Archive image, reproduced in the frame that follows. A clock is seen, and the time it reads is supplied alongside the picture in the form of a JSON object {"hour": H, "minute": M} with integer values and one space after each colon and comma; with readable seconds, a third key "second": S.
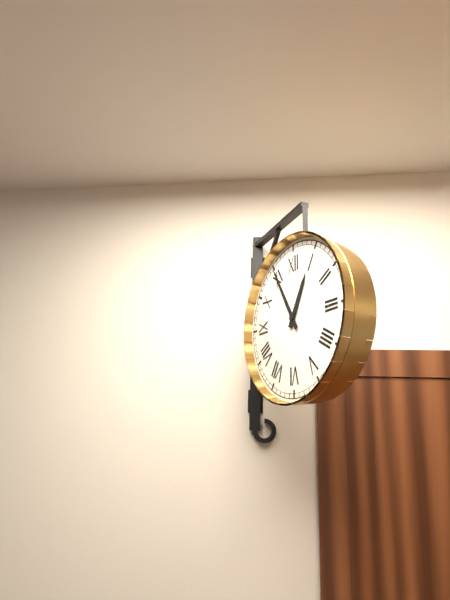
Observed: {"hour": 12, "minute": 55}
